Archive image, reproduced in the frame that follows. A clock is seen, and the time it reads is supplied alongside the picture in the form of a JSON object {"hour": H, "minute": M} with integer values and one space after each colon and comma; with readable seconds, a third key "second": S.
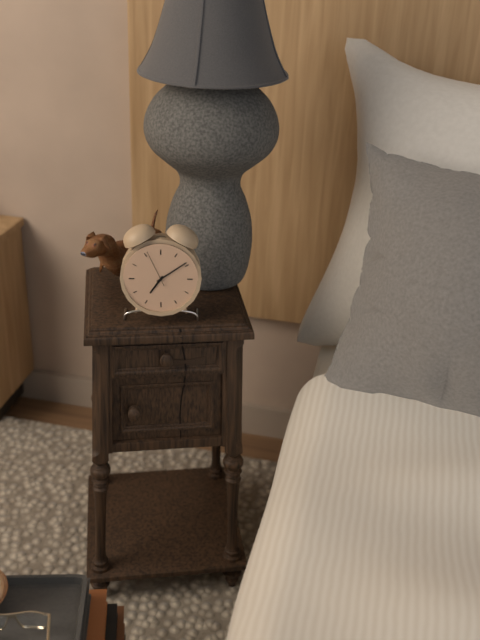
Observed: {"hour": 7, "minute": 9}
